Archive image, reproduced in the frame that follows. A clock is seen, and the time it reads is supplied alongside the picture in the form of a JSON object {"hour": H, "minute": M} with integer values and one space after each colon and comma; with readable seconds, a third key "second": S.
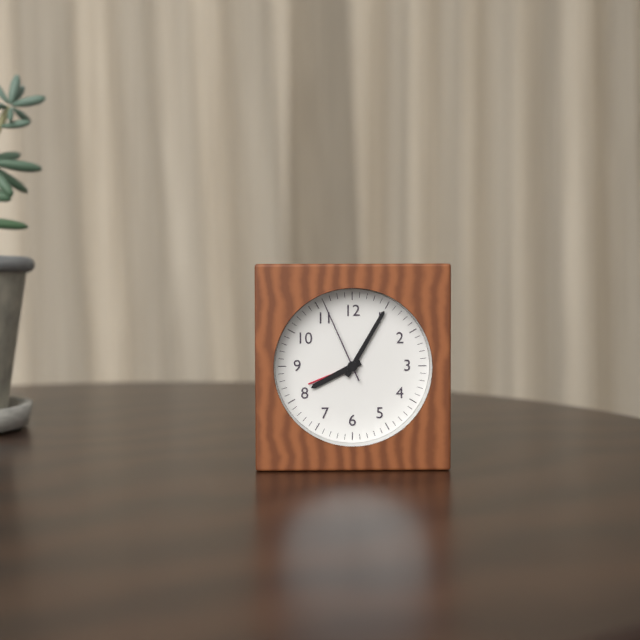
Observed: {"hour": 8, "minute": 5, "second": 56}
